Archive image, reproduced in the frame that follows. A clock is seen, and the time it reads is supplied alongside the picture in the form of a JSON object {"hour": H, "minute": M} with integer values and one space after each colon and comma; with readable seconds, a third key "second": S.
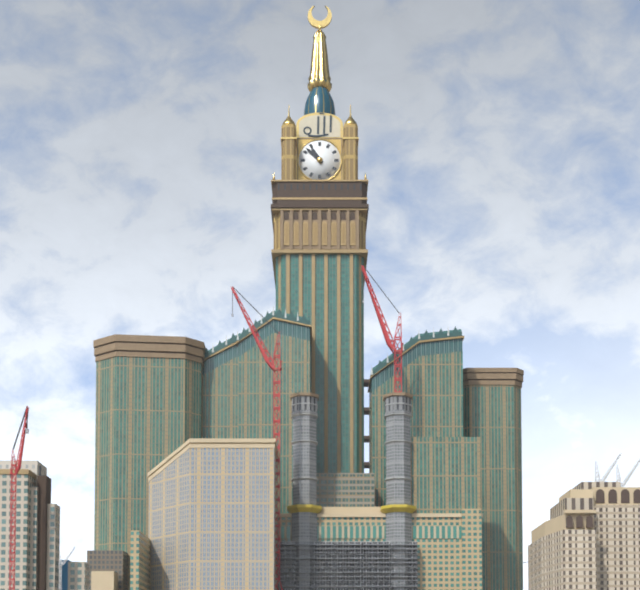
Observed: {"hour": 10, "minute": 52}
